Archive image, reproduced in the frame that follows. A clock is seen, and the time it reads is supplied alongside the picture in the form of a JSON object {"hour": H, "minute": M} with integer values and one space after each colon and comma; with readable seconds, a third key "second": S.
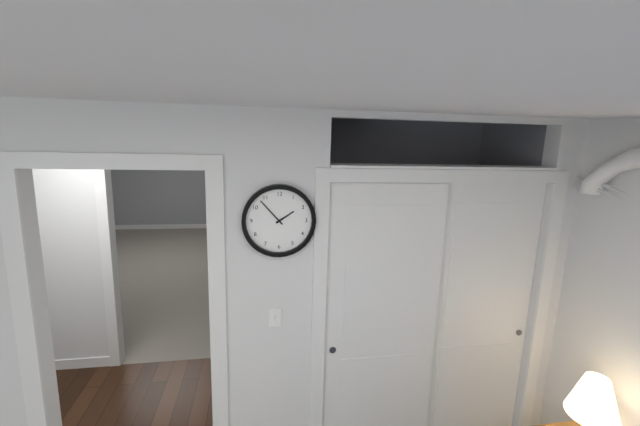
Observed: {"hour": 1, "minute": 53}
